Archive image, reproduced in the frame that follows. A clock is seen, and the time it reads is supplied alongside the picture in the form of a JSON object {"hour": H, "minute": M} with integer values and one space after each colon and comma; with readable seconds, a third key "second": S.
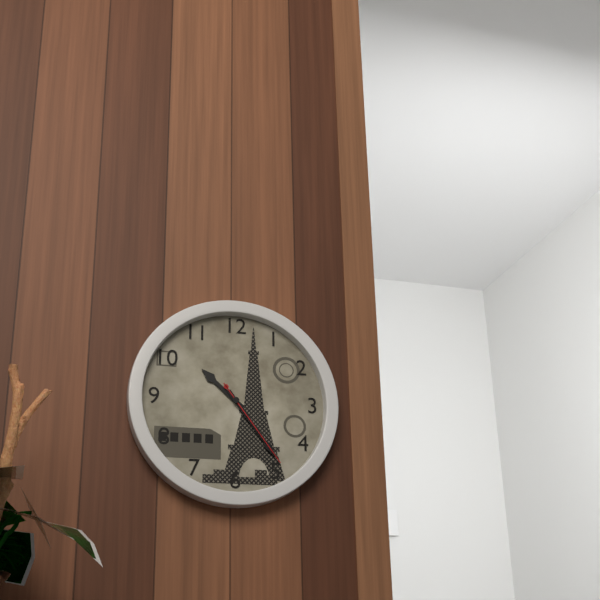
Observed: {"hour": 10, "minute": 24, "second": 24}
